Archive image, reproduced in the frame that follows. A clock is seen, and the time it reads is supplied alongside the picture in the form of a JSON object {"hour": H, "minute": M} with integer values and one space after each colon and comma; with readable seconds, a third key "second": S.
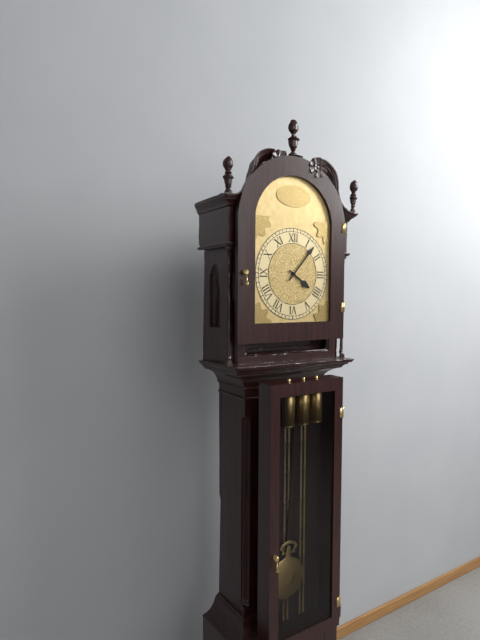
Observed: {"hour": 4, "minute": 7}
